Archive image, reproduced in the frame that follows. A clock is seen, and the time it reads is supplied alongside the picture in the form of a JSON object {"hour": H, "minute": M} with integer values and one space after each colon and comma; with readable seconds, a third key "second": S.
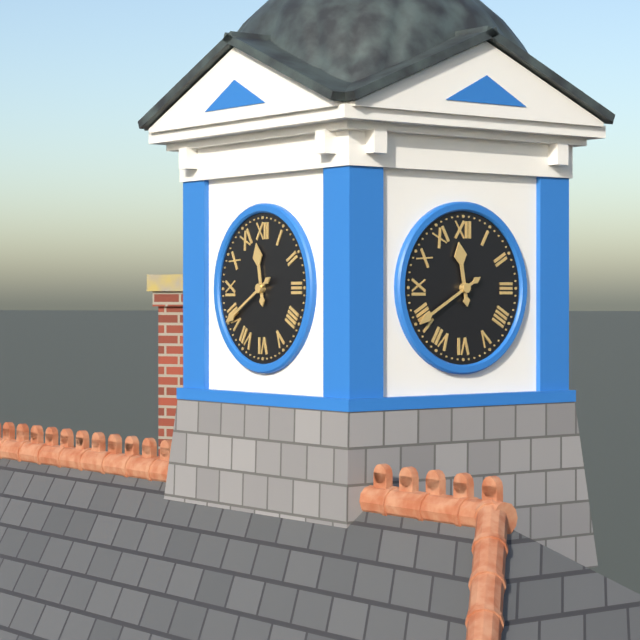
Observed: {"hour": 11, "minute": 40}
